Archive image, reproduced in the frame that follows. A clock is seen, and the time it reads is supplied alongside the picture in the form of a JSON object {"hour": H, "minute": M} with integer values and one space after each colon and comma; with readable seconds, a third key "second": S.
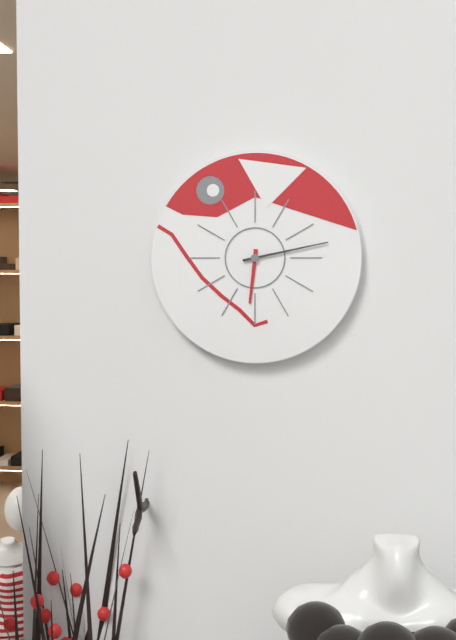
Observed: {"hour": 6, "minute": 13}
